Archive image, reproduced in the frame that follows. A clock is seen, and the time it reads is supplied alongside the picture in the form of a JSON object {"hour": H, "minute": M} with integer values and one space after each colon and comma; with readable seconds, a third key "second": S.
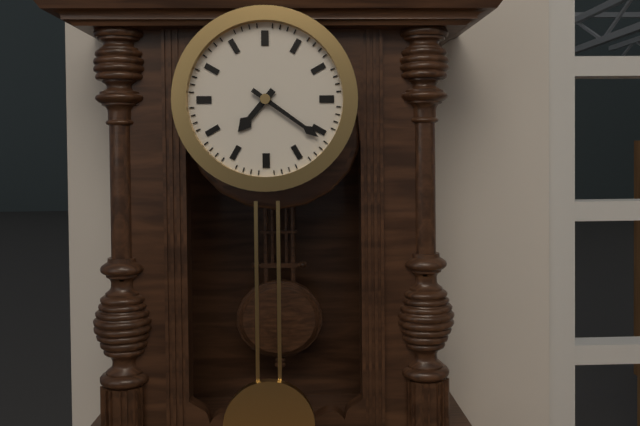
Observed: {"hour": 7, "minute": 21}
